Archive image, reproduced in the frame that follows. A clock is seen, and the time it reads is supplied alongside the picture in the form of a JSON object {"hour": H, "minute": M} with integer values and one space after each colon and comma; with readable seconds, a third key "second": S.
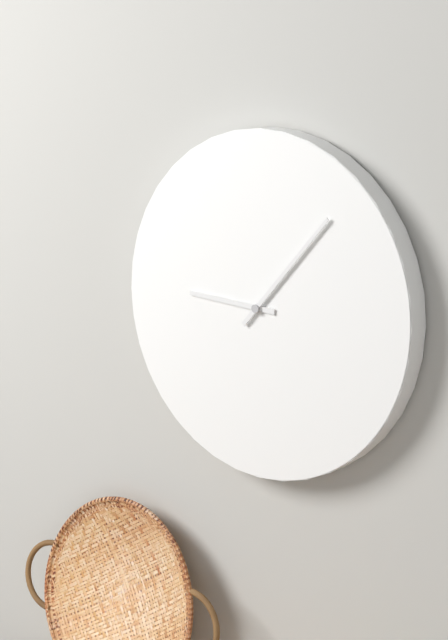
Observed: {"hour": 9, "minute": 7}
